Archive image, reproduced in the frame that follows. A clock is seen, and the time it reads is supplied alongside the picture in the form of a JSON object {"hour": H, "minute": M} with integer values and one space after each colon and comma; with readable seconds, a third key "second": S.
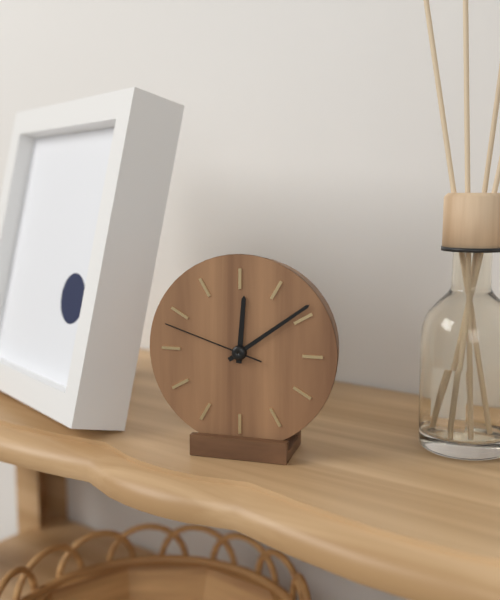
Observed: {"hour": 12, "minute": 9, "second": 48}
